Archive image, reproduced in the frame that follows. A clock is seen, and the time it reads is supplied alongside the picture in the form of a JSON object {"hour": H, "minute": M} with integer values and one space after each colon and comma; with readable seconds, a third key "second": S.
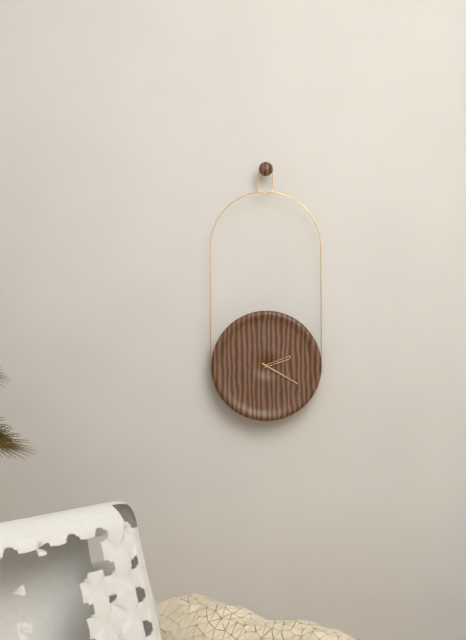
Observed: {"hour": 2, "minute": 20}
